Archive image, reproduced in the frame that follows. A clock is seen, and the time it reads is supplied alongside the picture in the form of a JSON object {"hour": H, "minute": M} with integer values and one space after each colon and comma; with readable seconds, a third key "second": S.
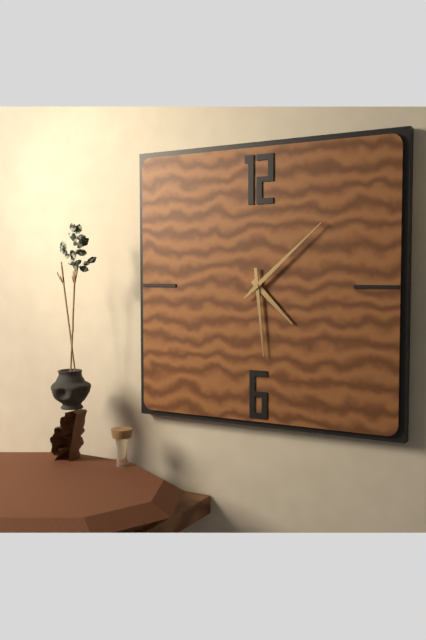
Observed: {"hour": 4, "minute": 29, "second": 8}
